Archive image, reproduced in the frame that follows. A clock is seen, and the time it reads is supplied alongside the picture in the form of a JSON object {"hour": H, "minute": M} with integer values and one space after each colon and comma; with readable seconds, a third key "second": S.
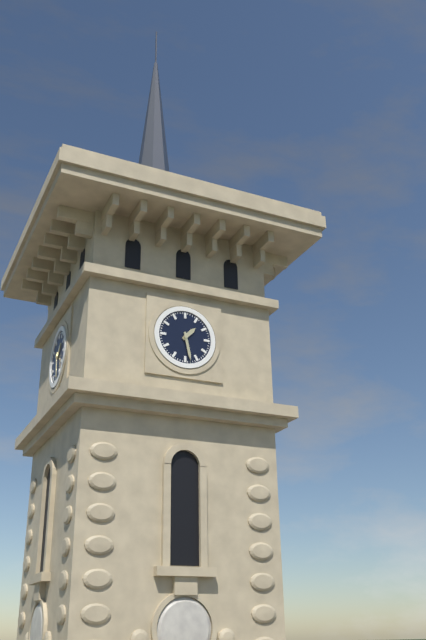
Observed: {"hour": 1, "minute": 28}
